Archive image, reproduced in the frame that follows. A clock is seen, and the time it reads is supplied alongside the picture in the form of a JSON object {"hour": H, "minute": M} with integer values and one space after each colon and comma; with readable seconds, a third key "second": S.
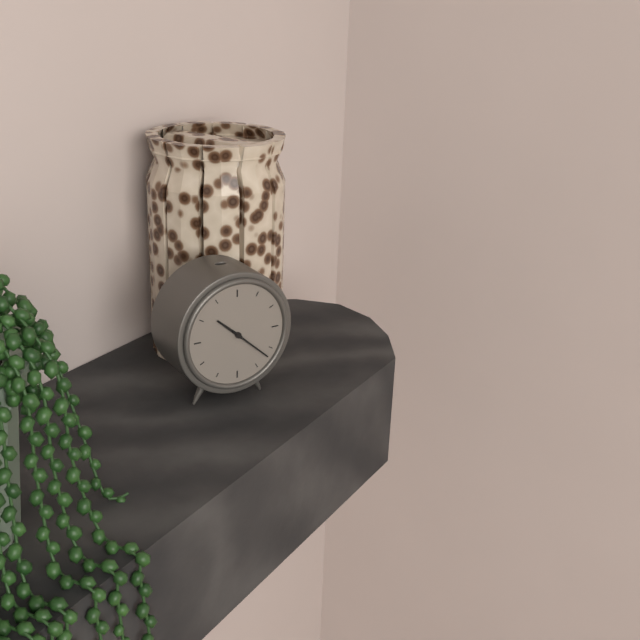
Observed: {"hour": 10, "minute": 22}
